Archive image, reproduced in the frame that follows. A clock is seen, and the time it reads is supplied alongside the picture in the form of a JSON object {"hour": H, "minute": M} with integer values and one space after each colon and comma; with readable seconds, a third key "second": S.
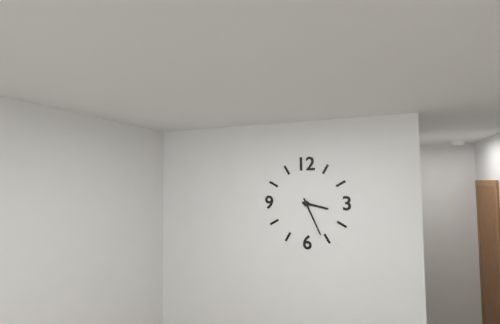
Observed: {"hour": 3, "minute": 26}
